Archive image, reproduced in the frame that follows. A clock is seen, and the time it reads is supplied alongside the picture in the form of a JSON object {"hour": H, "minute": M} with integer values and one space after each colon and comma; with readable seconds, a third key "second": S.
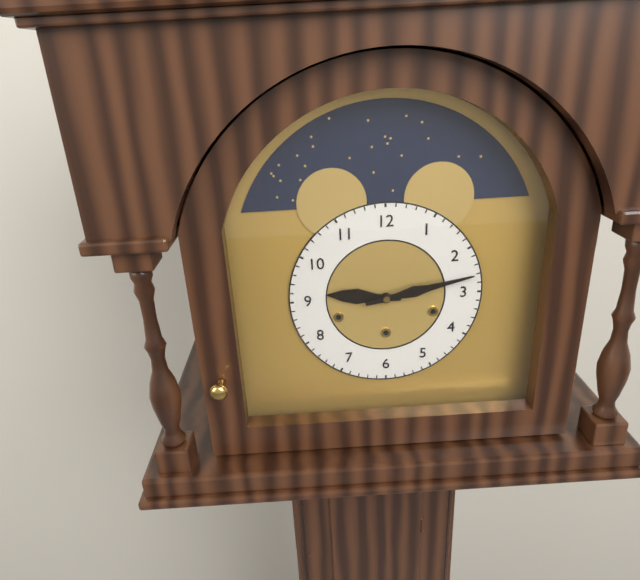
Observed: {"hour": 9, "minute": 13}
